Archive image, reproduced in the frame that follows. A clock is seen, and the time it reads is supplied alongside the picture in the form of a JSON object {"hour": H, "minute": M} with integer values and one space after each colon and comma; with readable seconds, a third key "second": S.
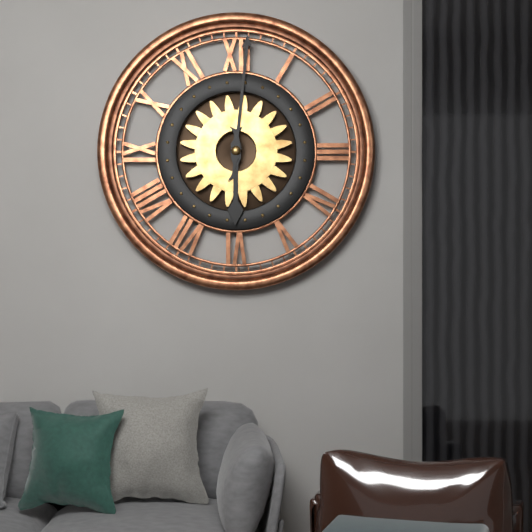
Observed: {"hour": 6, "minute": 1}
